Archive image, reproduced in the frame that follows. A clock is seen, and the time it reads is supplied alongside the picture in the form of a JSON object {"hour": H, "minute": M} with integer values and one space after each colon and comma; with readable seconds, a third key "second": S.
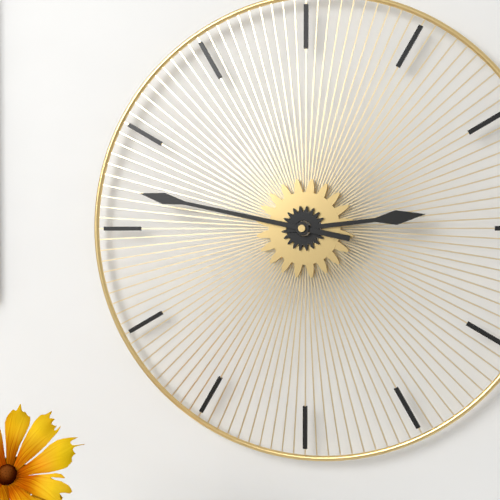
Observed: {"hour": 2, "minute": 47}
